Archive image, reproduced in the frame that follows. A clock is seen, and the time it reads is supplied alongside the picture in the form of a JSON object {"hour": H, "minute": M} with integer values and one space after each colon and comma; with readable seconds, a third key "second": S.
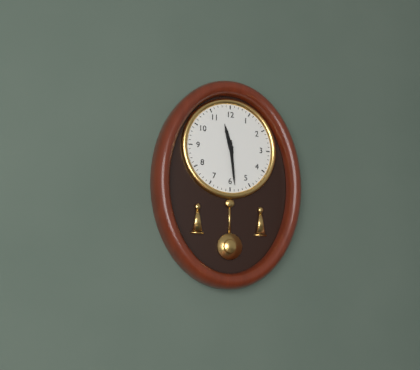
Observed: {"hour": 11, "minute": 29}
